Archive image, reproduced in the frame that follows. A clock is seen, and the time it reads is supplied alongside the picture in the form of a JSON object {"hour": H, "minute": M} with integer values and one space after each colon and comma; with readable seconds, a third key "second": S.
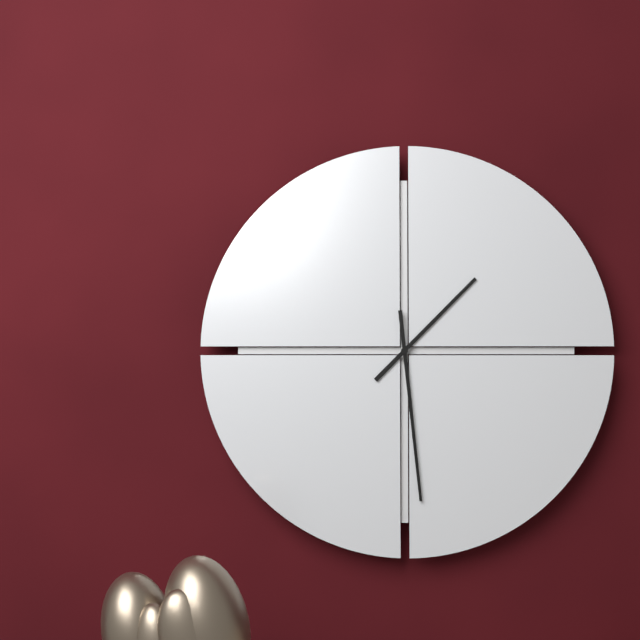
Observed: {"hour": 1, "minute": 29}
